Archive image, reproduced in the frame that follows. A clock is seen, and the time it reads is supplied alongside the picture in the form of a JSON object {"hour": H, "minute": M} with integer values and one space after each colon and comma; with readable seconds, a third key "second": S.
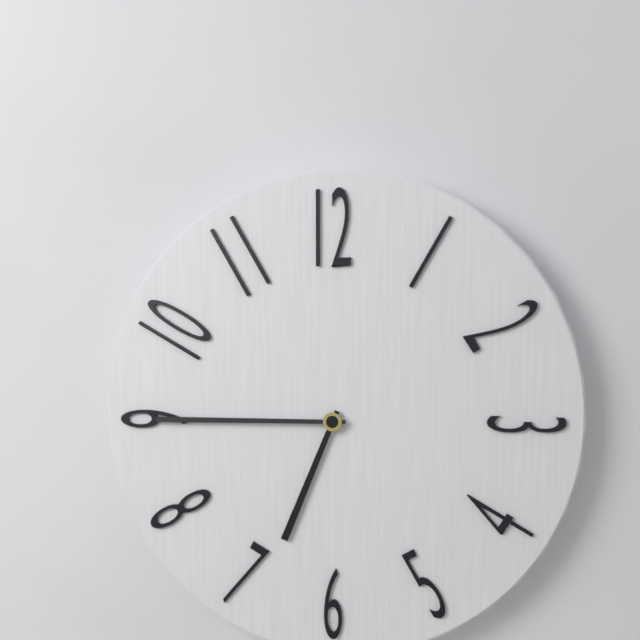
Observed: {"hour": 6, "minute": 45}
